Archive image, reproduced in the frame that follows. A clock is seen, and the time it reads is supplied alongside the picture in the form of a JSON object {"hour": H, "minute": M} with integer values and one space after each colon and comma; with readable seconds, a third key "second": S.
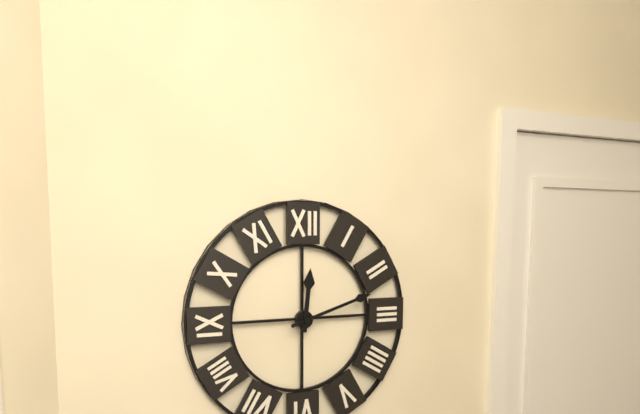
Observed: {"hour": 12, "minute": 12}
